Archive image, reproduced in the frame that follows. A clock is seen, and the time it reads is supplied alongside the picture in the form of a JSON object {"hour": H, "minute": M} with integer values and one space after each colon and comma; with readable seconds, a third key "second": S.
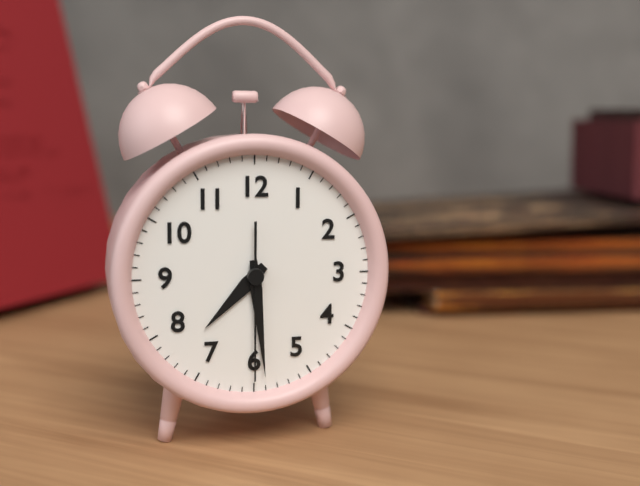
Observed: {"hour": 7, "minute": 29, "second": 30}
